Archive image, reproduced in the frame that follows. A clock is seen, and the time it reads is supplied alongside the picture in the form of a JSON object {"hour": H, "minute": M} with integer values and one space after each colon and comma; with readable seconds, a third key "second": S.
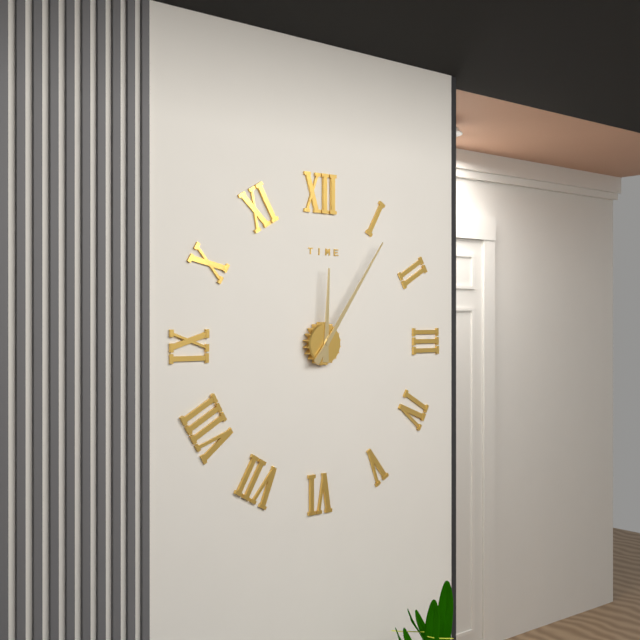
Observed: {"hour": 12, "minute": 6}
